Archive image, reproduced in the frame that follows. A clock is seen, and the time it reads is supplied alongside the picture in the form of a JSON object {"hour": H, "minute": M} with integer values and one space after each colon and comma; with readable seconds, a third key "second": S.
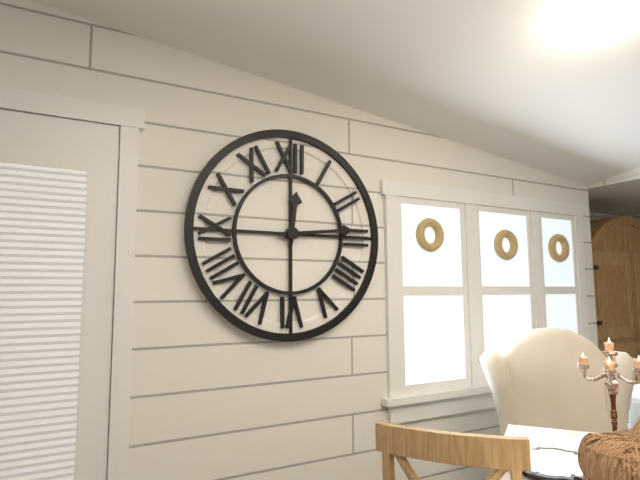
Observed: {"hour": 12, "minute": 14}
